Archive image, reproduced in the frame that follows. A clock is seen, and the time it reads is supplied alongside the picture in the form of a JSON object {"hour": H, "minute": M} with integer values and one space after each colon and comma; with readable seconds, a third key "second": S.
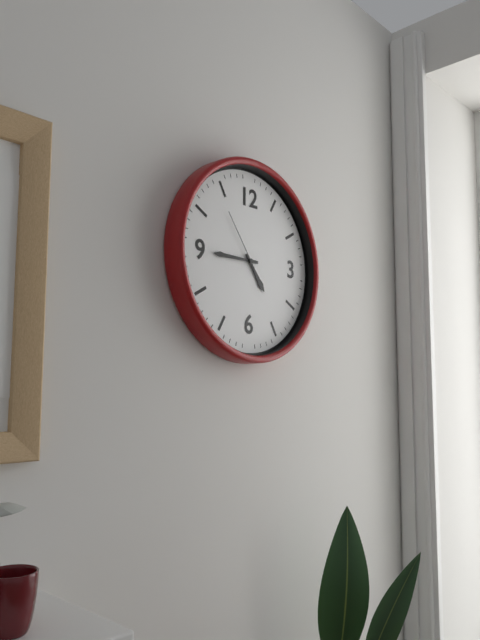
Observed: {"hour": 4, "minute": 45, "second": 54}
